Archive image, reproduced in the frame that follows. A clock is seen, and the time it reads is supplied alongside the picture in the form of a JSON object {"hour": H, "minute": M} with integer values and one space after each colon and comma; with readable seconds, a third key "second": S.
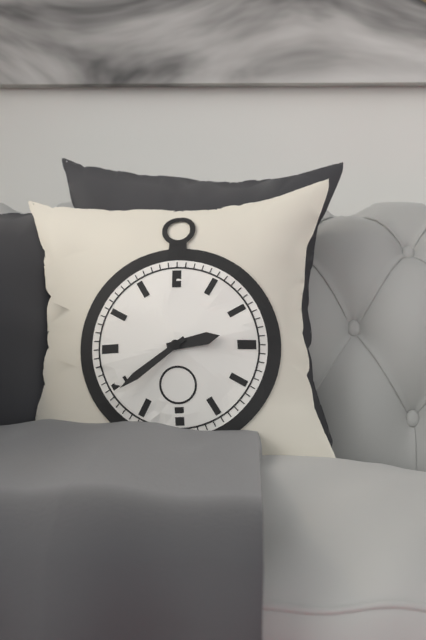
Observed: {"hour": 2, "minute": 39}
